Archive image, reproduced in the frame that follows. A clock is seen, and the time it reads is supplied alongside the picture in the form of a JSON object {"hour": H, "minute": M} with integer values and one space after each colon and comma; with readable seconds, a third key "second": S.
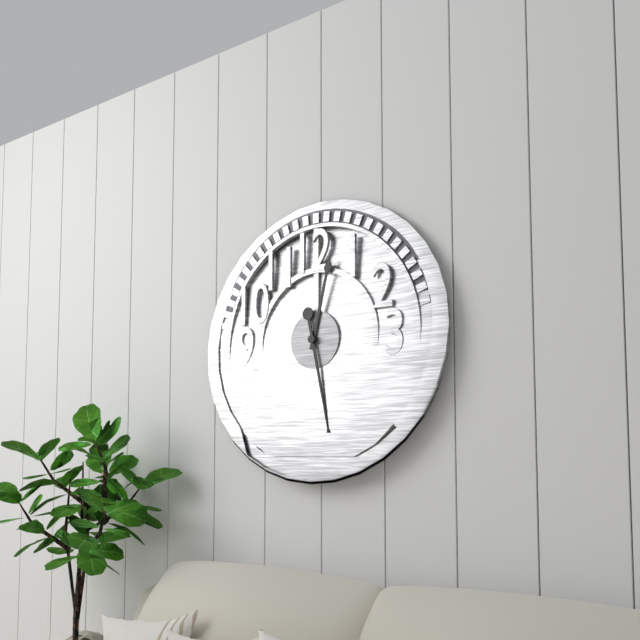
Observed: {"hour": 12, "minute": 28}
